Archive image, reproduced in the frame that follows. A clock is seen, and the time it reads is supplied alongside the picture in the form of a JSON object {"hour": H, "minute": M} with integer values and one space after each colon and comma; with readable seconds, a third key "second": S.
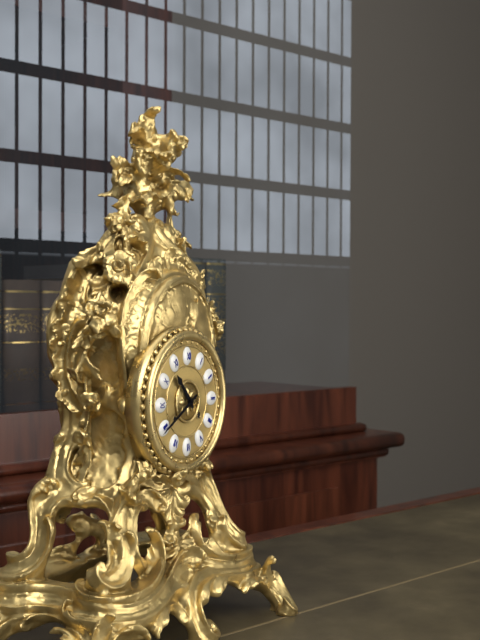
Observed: {"hour": 10, "minute": 40}
